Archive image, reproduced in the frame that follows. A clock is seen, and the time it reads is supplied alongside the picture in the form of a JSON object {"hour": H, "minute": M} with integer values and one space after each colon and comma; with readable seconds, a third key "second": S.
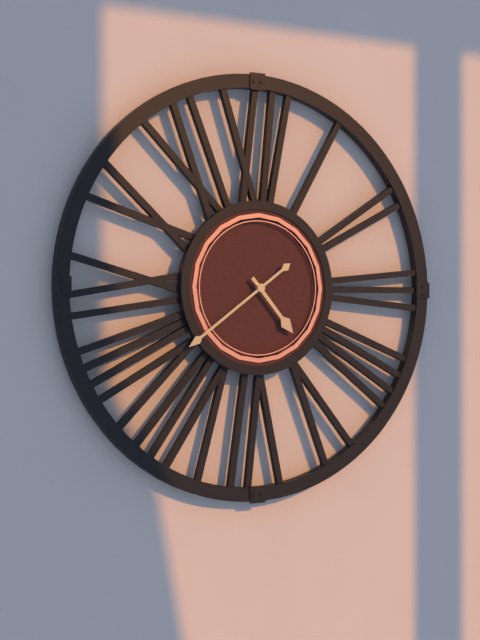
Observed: {"hour": 4, "minute": 39}
